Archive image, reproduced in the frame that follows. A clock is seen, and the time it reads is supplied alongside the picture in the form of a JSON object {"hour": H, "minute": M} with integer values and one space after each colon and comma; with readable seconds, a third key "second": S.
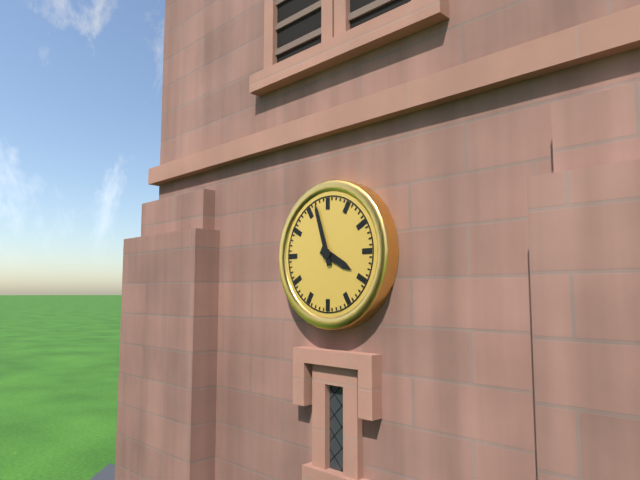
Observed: {"hour": 3, "minute": 57}
